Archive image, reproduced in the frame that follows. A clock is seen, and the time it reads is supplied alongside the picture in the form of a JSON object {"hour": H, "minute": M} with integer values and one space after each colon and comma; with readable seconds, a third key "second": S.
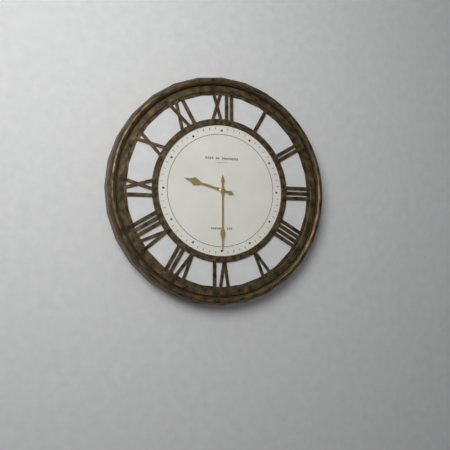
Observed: {"hour": 9, "minute": 30}
